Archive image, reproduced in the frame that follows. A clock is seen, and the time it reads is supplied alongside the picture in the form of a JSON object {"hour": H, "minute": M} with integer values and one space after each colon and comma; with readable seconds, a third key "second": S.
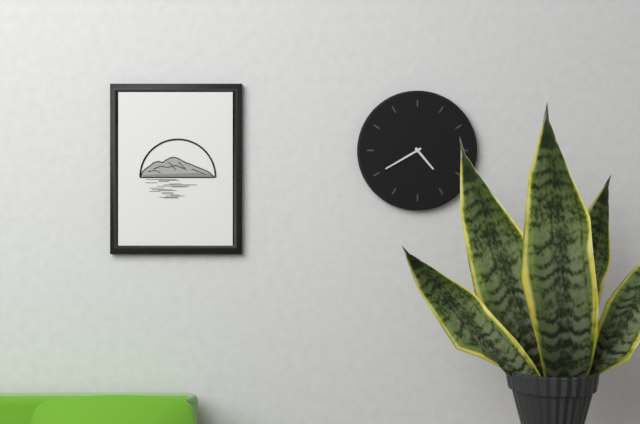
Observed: {"hour": 4, "minute": 40}
